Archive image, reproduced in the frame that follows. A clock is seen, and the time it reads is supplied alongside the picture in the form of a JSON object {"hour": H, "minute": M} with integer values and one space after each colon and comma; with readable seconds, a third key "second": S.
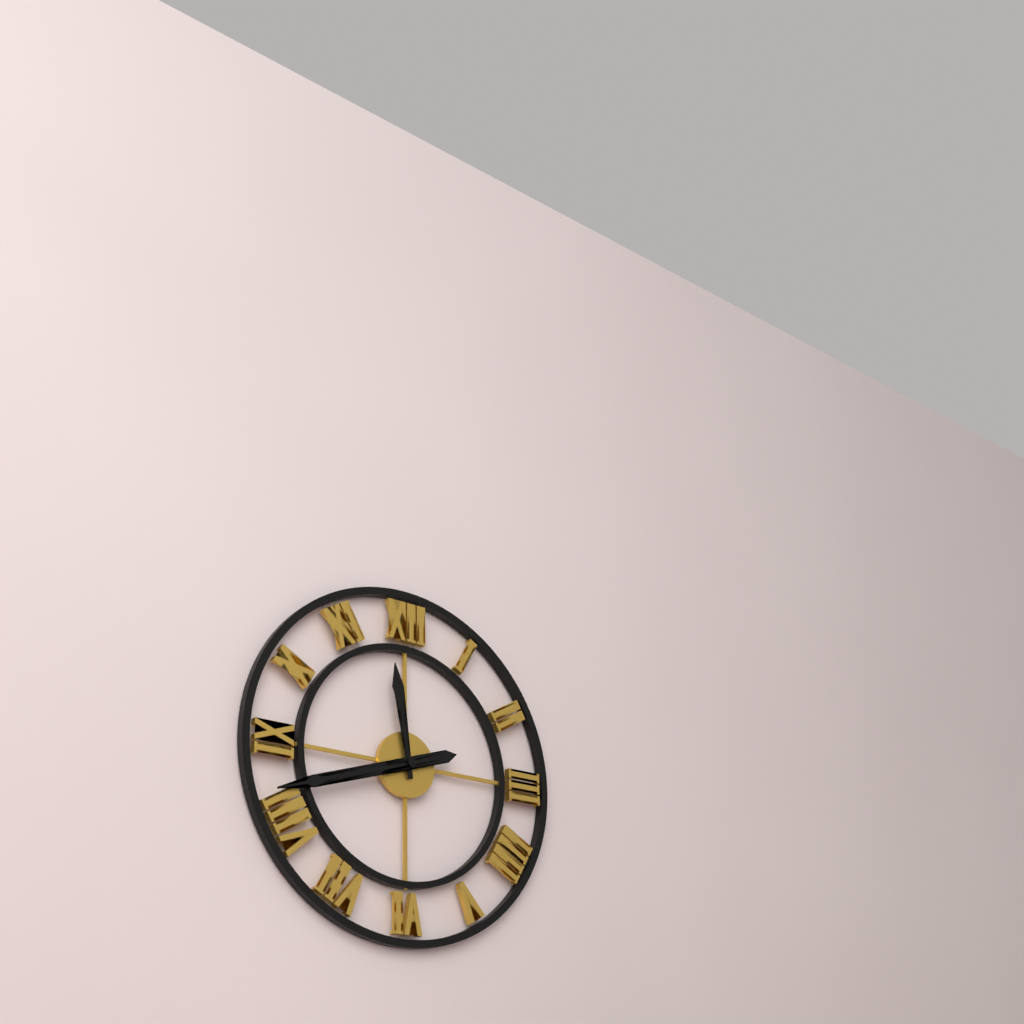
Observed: {"hour": 11, "minute": 42}
